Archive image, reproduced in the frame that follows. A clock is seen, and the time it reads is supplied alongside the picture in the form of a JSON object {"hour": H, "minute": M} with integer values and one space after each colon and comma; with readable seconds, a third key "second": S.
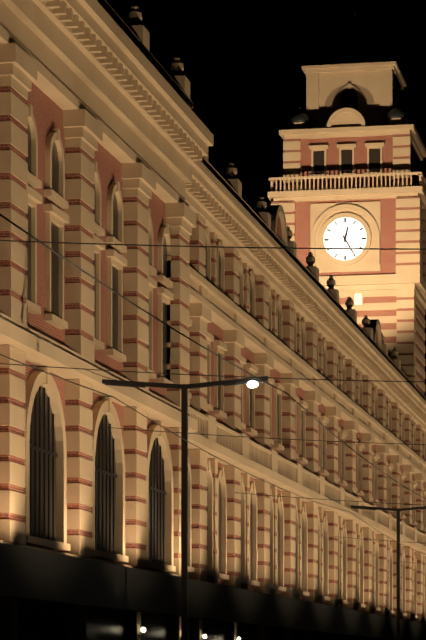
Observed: {"hour": 12, "minute": 25}
